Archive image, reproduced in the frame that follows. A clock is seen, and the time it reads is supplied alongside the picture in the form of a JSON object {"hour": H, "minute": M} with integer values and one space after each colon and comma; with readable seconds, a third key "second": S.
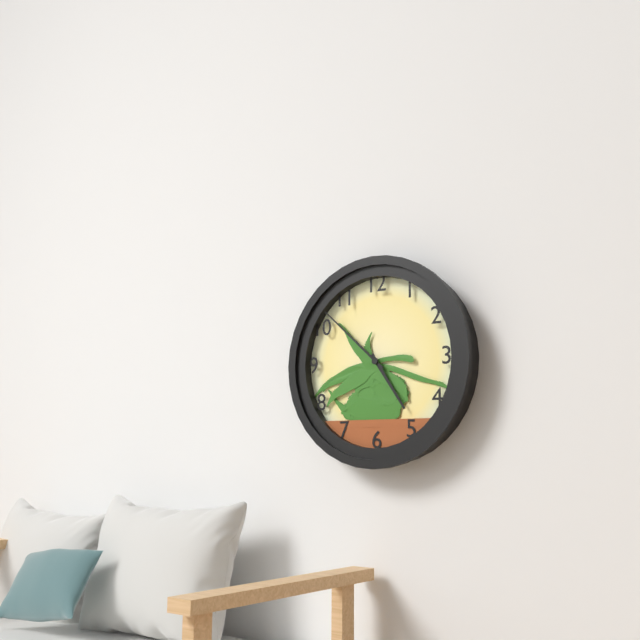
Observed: {"hour": 4, "minute": 52}
